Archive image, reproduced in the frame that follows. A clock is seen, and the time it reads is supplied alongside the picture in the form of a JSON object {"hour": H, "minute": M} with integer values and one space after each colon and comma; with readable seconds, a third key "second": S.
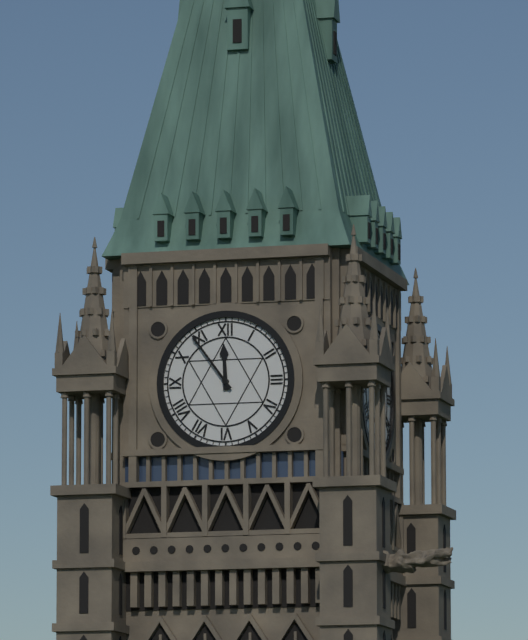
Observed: {"hour": 11, "minute": 54}
